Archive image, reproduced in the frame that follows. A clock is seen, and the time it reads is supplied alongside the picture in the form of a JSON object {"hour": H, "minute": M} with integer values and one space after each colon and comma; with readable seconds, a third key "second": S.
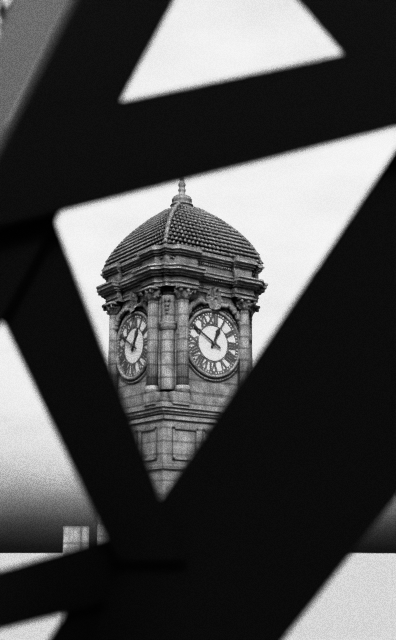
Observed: {"hour": 12, "minute": 50}
